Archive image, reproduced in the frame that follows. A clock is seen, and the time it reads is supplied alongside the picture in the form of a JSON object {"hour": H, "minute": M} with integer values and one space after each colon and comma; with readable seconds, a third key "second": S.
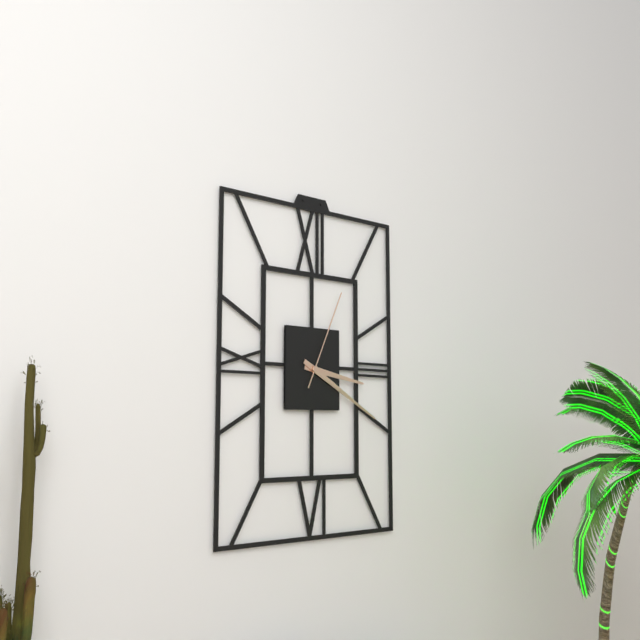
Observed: {"hour": 3, "minute": 20, "second": 4}
